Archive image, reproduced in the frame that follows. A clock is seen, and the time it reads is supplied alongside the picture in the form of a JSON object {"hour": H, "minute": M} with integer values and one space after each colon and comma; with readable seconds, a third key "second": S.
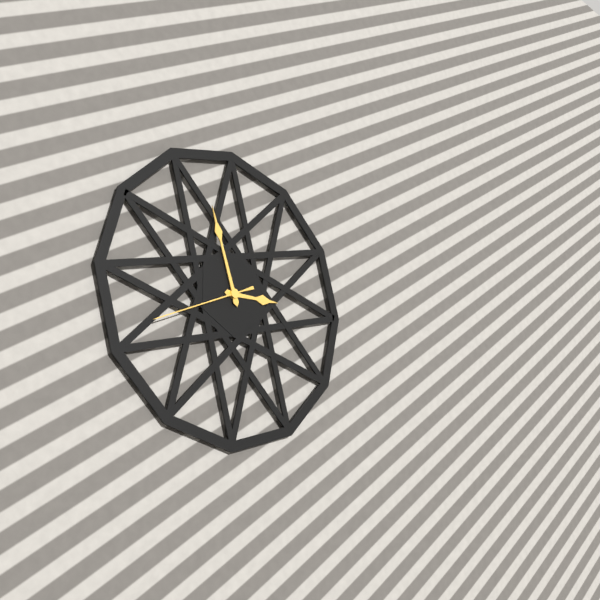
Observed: {"hour": 2, "minute": 57, "second": 41}
